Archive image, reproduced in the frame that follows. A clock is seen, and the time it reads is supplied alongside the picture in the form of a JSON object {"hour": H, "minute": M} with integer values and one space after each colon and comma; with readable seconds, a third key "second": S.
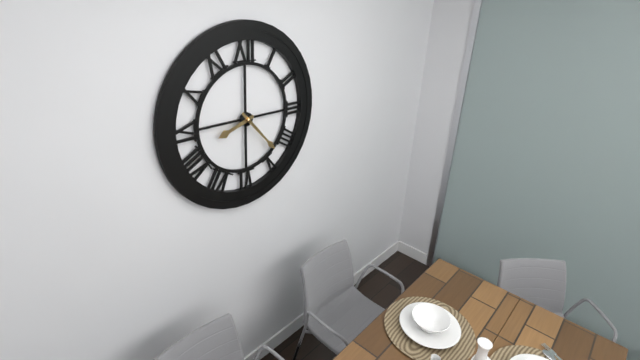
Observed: {"hour": 8, "minute": 23}
